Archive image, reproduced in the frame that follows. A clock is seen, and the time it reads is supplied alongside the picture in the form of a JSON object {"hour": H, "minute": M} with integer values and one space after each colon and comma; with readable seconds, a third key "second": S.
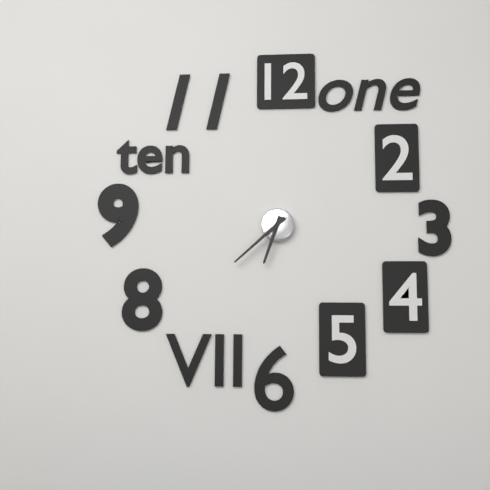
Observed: {"hour": 6, "minute": 38}
